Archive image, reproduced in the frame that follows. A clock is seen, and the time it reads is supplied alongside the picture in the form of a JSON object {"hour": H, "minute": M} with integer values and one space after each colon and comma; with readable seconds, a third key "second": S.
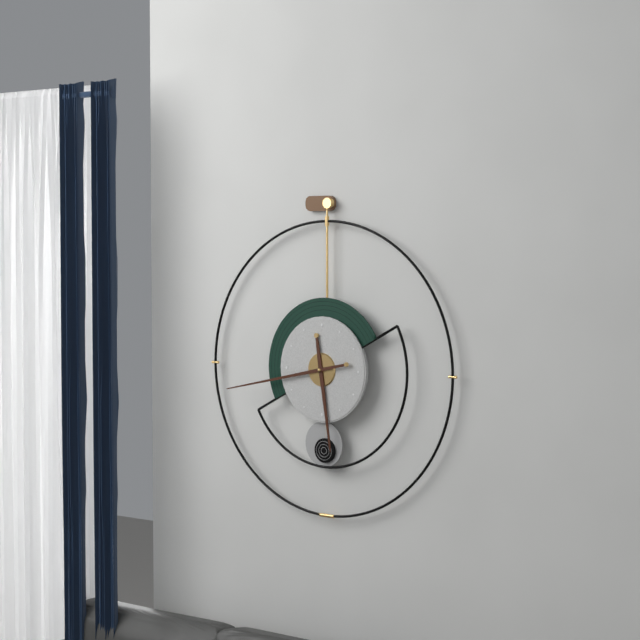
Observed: {"hour": 5, "minute": 43}
